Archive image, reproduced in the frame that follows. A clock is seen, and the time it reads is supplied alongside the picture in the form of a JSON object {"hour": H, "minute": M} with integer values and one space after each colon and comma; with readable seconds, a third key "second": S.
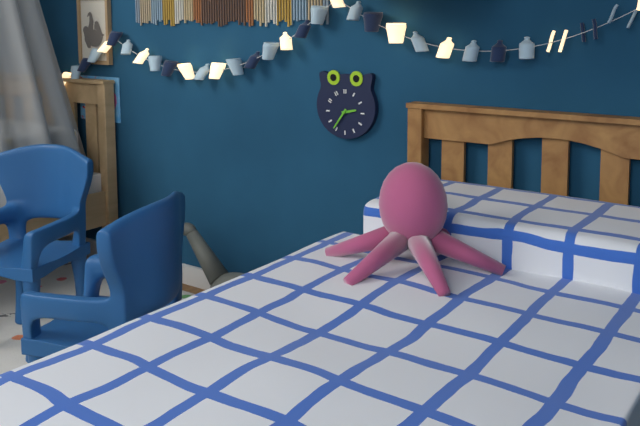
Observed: {"hour": 2, "minute": 36}
